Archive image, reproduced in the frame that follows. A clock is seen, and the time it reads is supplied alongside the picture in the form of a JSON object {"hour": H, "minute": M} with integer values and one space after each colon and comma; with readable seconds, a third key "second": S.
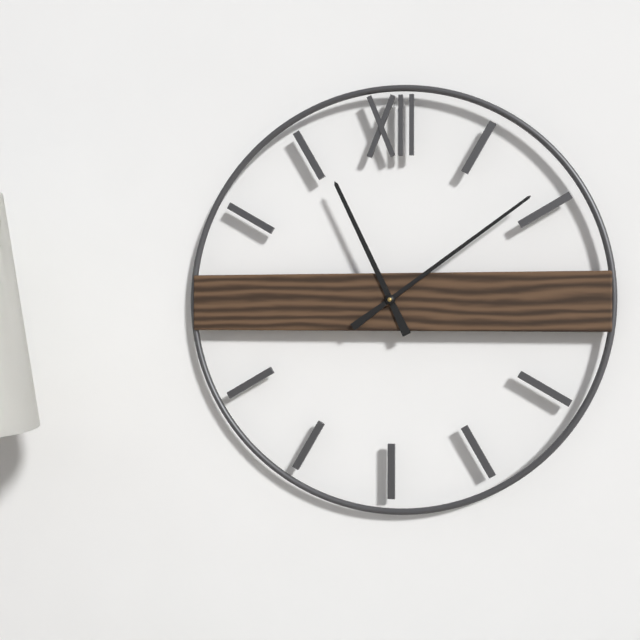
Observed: {"hour": 11, "minute": 9}
